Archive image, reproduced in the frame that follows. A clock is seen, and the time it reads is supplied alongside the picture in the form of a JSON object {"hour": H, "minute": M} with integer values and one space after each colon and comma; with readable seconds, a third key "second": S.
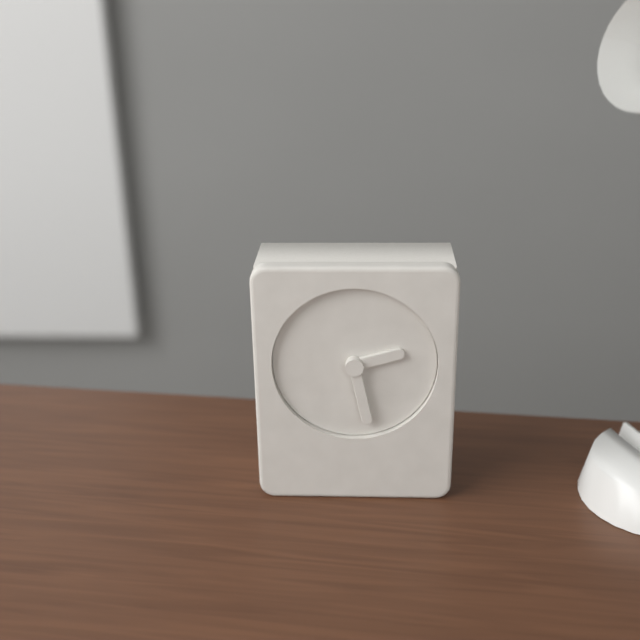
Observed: {"hour": 2, "minute": 28}
